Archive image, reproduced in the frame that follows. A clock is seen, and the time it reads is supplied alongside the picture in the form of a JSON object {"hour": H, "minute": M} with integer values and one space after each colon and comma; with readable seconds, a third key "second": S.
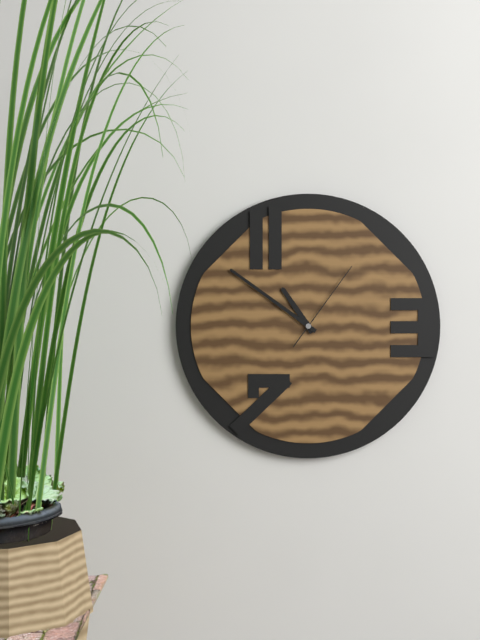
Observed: {"hour": 10, "minute": 51, "second": 6}
